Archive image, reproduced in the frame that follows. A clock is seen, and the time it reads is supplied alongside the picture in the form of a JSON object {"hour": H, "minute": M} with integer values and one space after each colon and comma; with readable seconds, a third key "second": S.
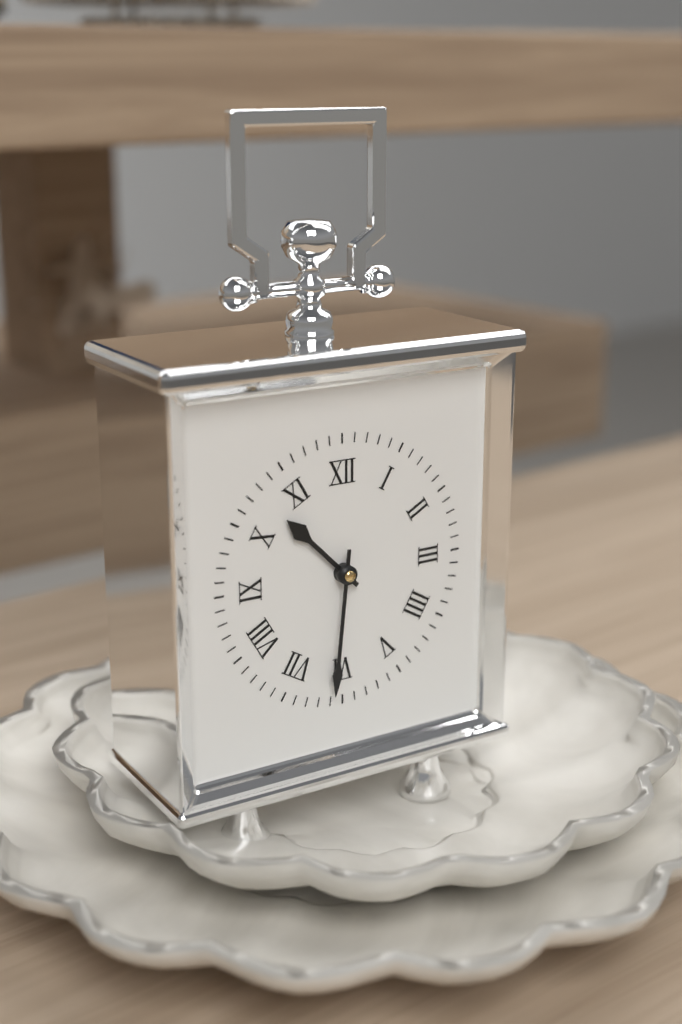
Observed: {"hour": 10, "minute": 31}
